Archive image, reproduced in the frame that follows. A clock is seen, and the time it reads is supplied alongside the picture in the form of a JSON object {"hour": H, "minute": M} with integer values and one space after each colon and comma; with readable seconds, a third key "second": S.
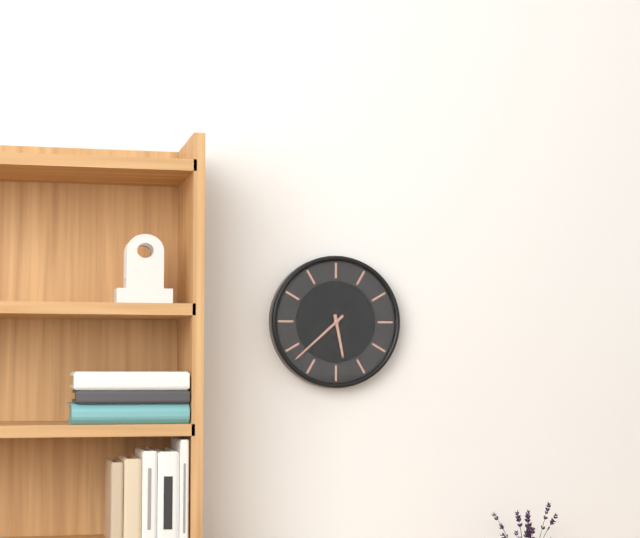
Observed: {"hour": 5, "minute": 38}
